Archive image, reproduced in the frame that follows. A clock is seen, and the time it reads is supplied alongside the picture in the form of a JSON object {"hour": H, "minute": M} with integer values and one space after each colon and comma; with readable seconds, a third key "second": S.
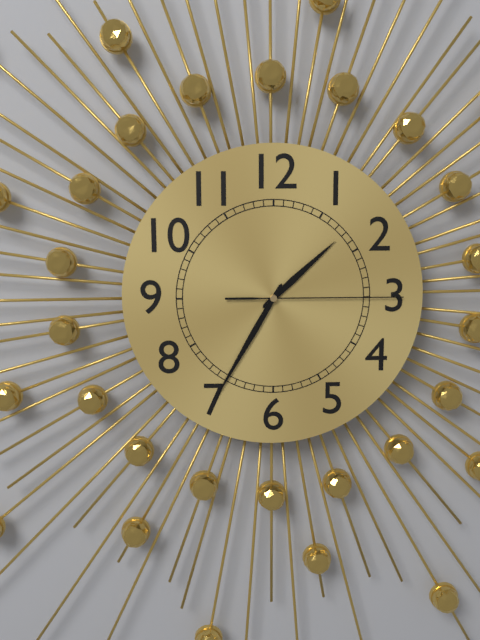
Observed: {"hour": 1, "minute": 35, "second": 15}
